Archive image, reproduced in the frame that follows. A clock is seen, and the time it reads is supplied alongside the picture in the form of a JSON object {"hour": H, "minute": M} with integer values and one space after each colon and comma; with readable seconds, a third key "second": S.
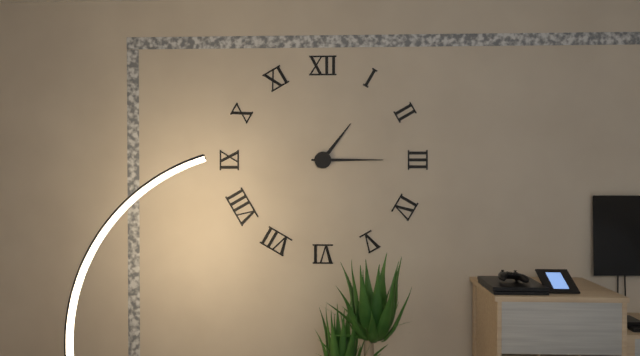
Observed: {"hour": 1, "minute": 15}
